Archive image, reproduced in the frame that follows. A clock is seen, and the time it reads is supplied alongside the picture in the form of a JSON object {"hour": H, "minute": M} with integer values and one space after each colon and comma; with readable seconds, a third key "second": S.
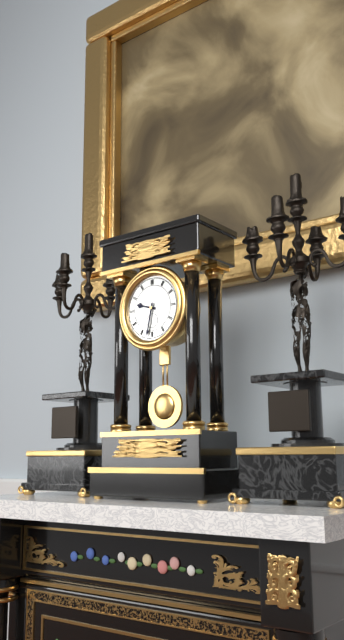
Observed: {"hour": 9, "minute": 32}
